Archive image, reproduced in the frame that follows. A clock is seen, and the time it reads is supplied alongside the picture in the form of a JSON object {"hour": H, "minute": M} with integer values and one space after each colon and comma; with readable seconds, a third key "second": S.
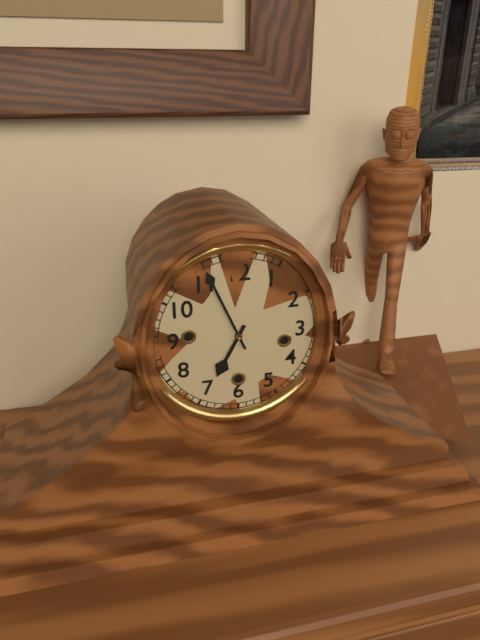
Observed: {"hour": 6, "minute": 56}
